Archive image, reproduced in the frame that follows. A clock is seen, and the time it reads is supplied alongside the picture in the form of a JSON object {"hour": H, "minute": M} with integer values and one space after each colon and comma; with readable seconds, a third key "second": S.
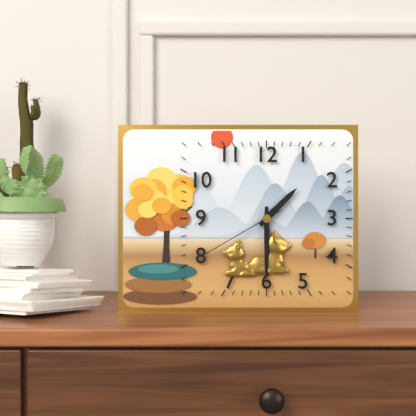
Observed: {"hour": 1, "minute": 30, "second": 40}
